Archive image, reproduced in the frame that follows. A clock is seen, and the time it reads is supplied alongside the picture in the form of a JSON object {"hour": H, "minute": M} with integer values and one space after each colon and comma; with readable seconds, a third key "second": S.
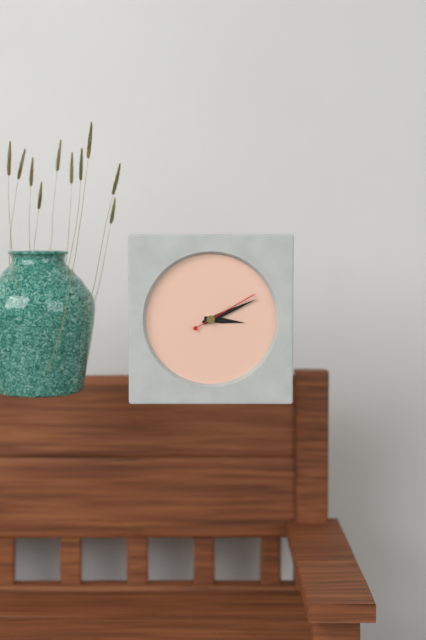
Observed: {"hour": 3, "minute": 11, "second": 10}
